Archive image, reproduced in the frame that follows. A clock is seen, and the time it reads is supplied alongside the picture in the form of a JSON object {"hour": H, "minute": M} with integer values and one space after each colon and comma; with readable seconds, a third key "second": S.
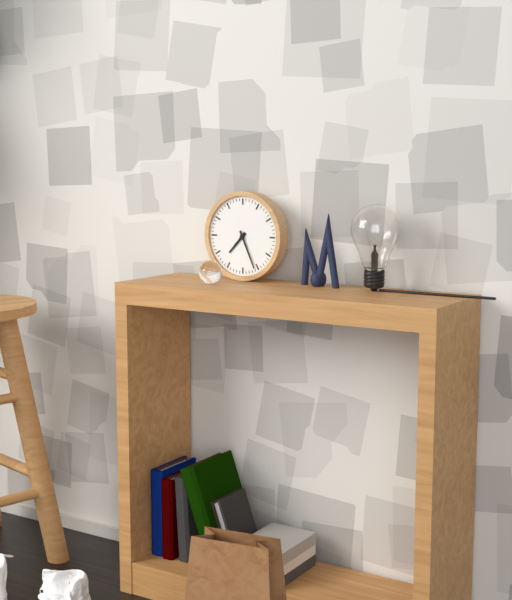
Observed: {"hour": 7, "minute": 26}
